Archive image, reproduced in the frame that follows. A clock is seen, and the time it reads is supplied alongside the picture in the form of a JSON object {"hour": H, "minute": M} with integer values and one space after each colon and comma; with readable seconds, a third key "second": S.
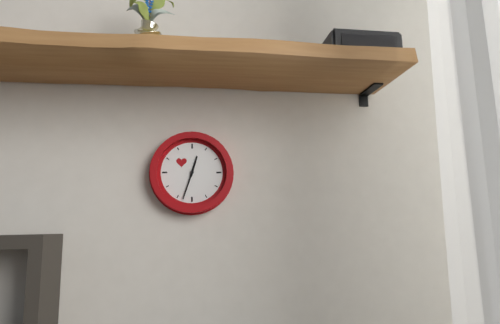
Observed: {"hour": 12, "minute": 33}
